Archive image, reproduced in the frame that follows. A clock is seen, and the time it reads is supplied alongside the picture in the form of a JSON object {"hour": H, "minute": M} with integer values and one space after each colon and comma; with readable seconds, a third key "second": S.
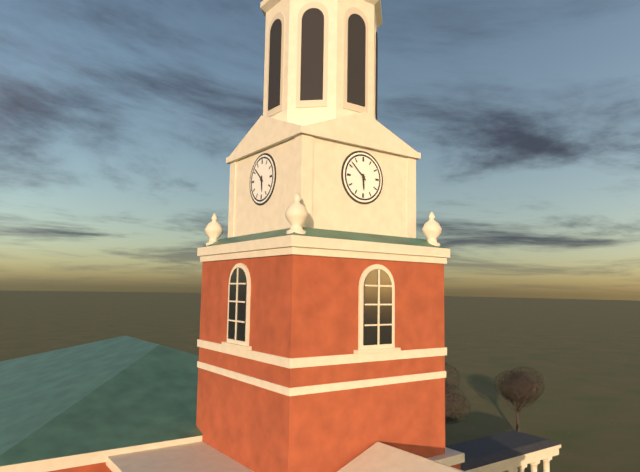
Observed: {"hour": 5, "minute": 52}
